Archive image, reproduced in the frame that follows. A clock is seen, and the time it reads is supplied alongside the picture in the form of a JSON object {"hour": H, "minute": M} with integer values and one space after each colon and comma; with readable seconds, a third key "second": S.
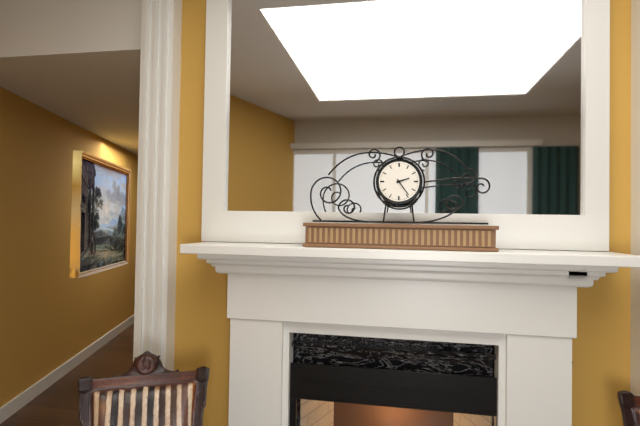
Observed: {"hour": 2, "minute": 24}
